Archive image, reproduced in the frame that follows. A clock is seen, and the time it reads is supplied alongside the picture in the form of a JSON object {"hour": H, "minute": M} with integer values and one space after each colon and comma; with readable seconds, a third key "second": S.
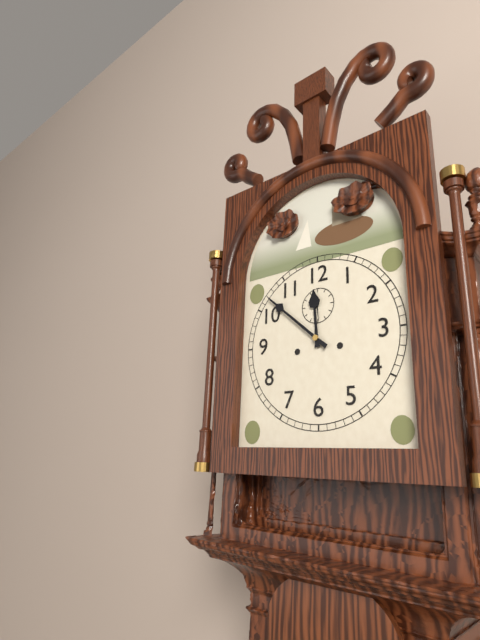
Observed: {"hour": 11, "minute": 52}
